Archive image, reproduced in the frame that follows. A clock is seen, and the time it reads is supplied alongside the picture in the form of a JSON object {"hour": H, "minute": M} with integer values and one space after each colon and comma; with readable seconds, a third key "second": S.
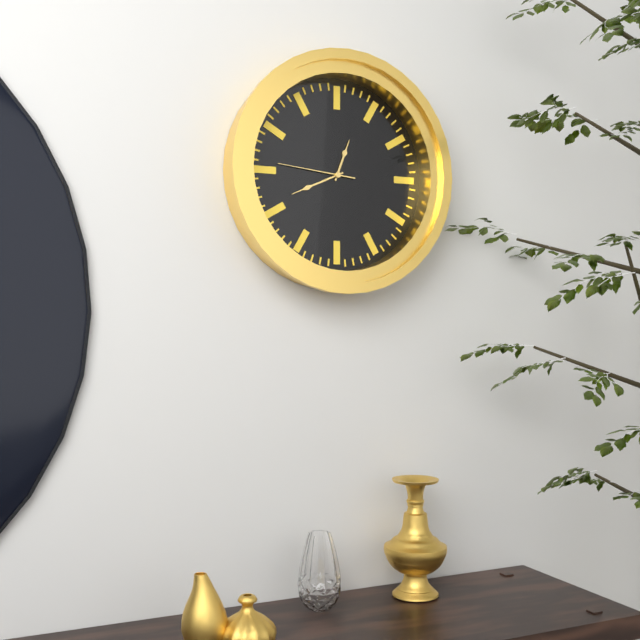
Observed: {"hour": 12, "minute": 41, "second": 46}
